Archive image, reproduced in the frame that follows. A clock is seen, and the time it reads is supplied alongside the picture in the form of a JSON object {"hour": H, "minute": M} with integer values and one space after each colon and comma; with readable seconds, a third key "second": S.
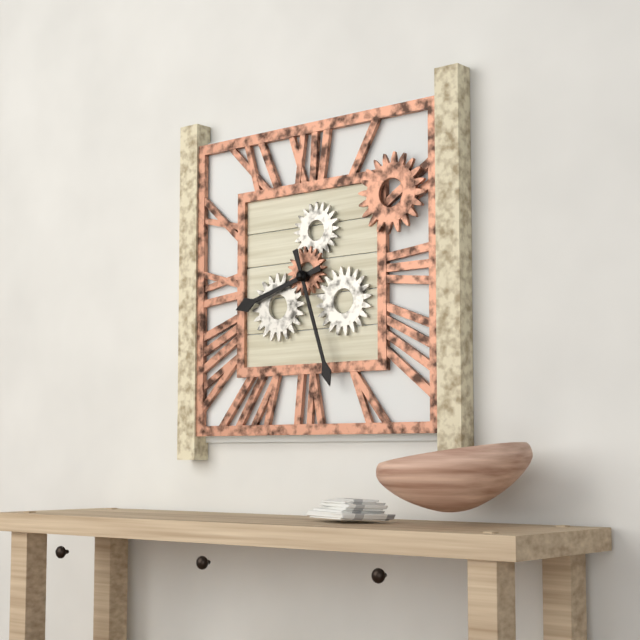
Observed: {"hour": 8, "minute": 27}
